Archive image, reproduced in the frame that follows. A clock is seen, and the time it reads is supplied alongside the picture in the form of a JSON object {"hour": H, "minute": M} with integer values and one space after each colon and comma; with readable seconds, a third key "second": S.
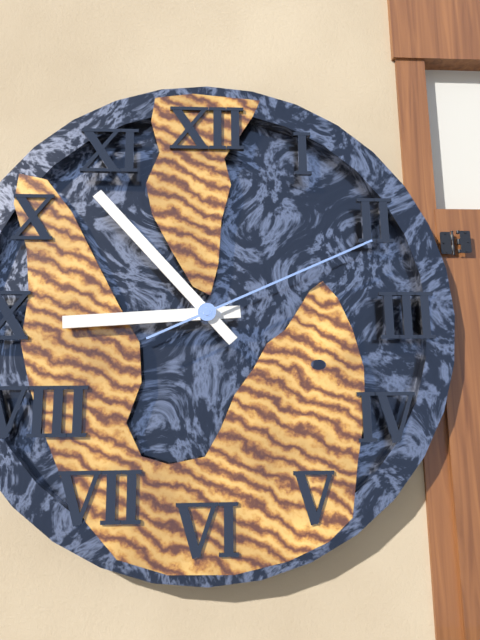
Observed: {"hour": 8, "minute": 53, "second": 11}
